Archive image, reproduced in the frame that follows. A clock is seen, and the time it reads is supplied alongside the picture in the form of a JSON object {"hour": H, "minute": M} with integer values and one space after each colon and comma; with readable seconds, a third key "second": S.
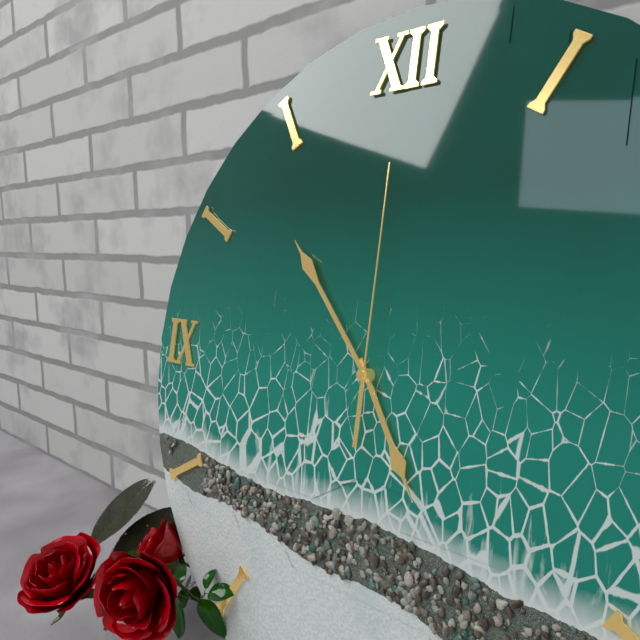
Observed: {"hour": 4, "minute": 53, "second": 0}
